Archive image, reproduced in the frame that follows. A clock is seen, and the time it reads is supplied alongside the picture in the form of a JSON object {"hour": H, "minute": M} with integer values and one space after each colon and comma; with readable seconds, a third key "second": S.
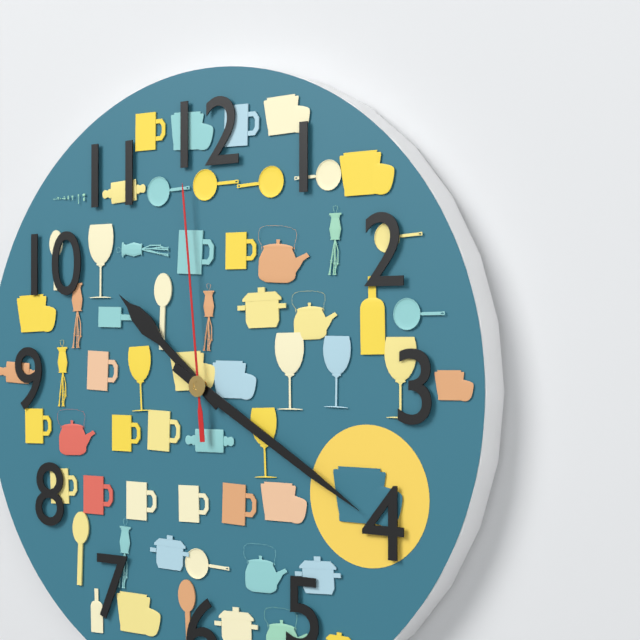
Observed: {"hour": 10, "minute": 20, "second": 59}
